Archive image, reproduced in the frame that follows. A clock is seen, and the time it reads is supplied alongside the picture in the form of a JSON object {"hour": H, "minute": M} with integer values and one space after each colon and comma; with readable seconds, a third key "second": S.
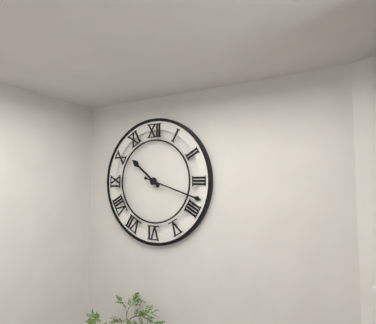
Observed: {"hour": 10, "minute": 18}
